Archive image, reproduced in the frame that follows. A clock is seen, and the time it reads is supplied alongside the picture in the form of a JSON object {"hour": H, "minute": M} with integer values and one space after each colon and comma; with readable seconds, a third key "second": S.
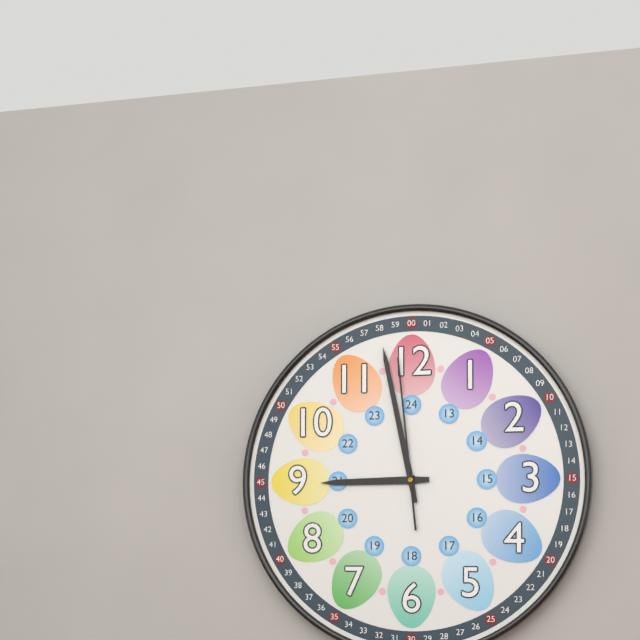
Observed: {"hour": 8, "minute": 58, "second": 59}
